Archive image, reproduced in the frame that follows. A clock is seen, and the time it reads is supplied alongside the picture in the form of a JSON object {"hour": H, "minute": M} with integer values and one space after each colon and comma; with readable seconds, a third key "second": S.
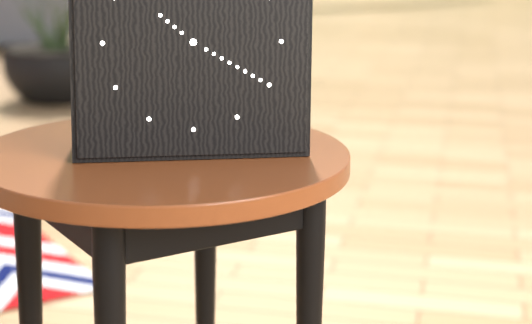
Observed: {"hour": 10, "minute": 20}
